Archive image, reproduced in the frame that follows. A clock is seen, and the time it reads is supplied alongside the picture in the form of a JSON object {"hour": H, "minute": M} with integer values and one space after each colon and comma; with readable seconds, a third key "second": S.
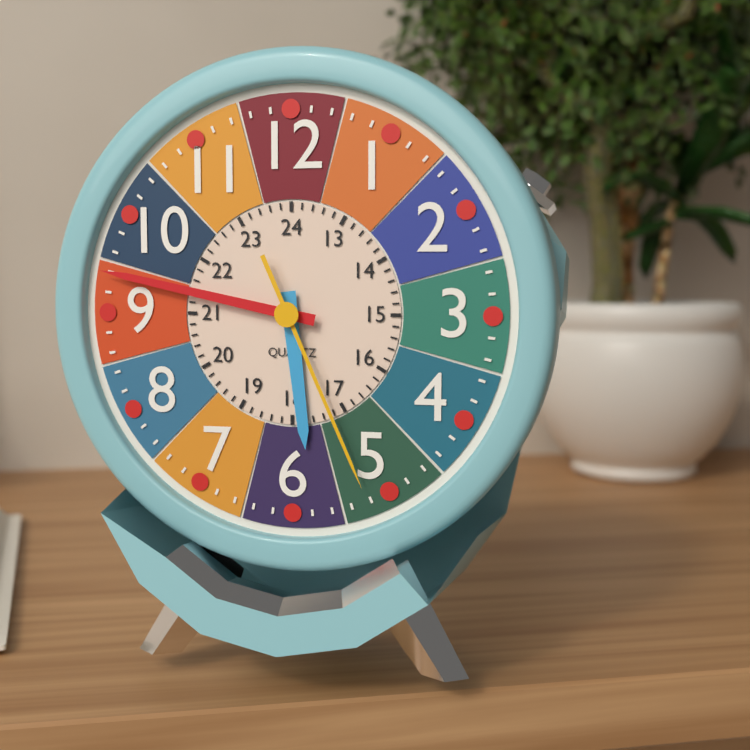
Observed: {"hour": 5, "minute": 47, "second": 26}
